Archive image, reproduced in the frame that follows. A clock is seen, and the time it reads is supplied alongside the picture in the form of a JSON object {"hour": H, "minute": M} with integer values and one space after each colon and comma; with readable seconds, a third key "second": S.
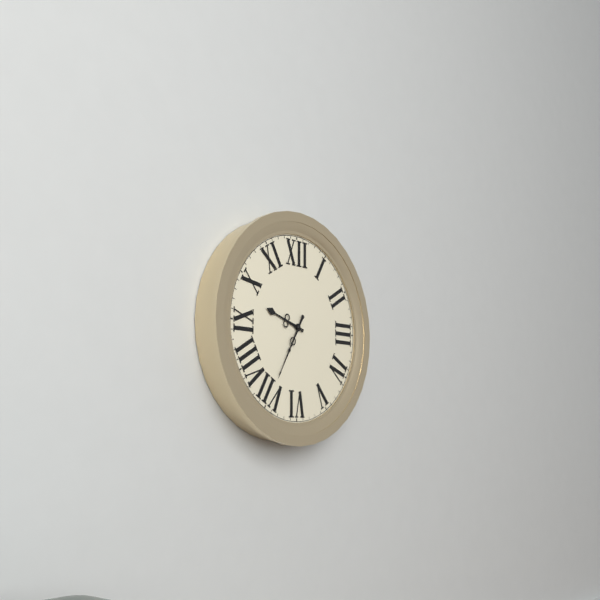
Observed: {"hour": 9, "minute": 35}
